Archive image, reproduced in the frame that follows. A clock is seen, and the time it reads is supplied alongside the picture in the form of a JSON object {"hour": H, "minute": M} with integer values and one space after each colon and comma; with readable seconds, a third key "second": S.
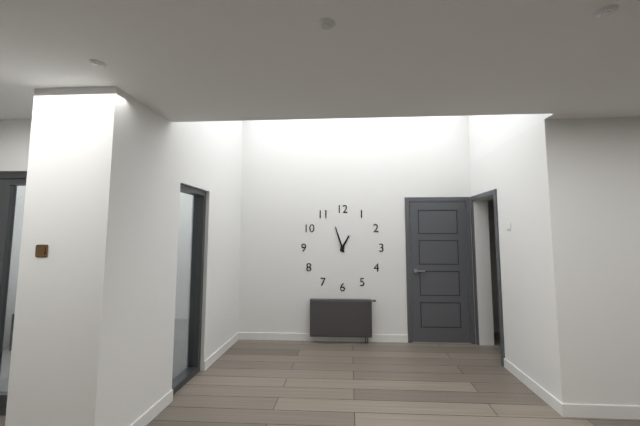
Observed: {"hour": 12, "minute": 57}
